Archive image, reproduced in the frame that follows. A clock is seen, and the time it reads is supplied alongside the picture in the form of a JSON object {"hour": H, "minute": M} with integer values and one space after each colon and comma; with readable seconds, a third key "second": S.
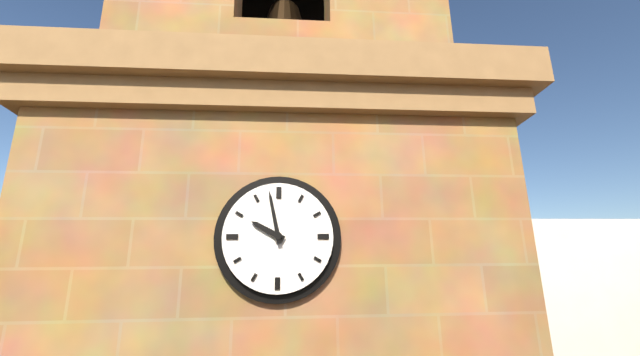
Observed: {"hour": 9, "minute": 58}
